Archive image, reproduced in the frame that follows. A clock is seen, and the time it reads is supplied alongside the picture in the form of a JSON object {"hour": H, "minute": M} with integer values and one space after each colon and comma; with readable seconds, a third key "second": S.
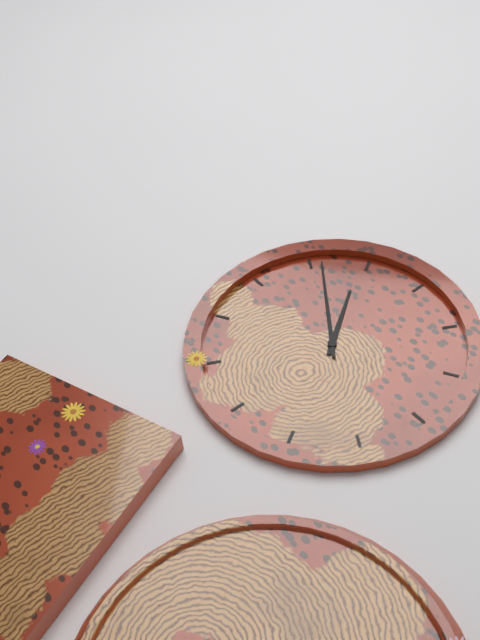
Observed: {"hour": 10, "minute": 51}
